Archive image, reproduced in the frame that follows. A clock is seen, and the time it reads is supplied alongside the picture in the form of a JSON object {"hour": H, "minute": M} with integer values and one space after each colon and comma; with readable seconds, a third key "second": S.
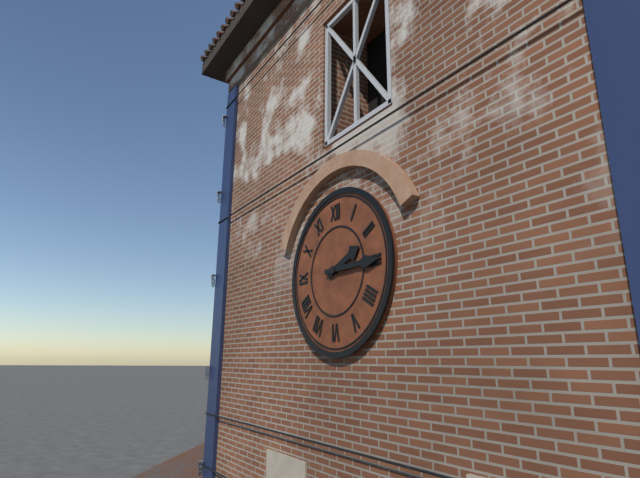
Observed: {"hour": 2, "minute": 15}
